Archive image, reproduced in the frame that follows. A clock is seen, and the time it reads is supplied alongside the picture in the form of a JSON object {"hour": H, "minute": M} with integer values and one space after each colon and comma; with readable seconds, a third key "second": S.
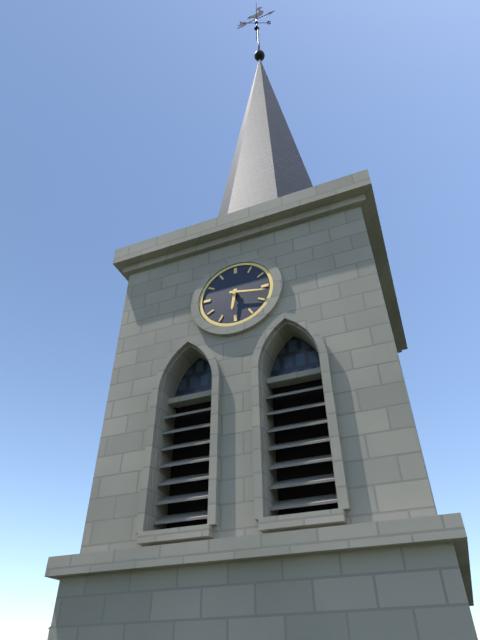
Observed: {"hour": 6, "minute": 17}
